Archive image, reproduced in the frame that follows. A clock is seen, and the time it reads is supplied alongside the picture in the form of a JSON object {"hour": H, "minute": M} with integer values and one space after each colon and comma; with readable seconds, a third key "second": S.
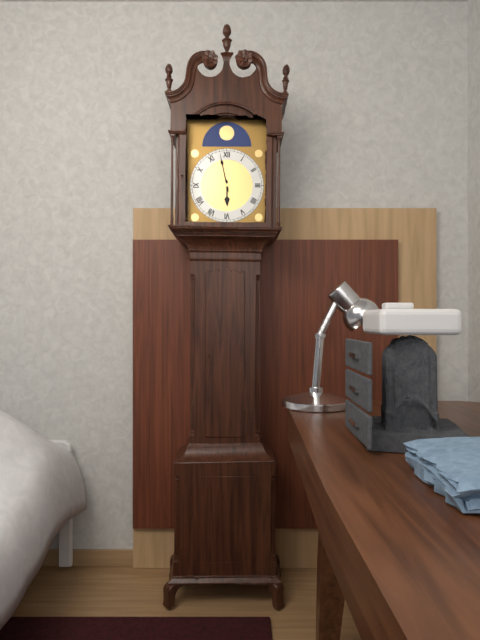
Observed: {"hour": 5, "minute": 58}
